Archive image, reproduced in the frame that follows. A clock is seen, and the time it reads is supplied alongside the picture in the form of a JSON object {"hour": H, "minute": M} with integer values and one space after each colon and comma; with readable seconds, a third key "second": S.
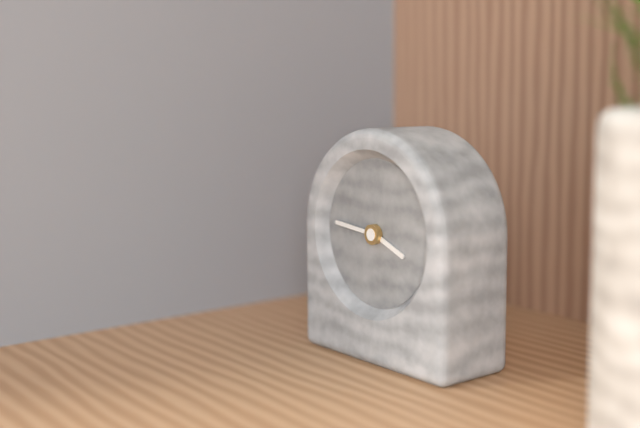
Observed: {"hour": 3, "minute": 46}
